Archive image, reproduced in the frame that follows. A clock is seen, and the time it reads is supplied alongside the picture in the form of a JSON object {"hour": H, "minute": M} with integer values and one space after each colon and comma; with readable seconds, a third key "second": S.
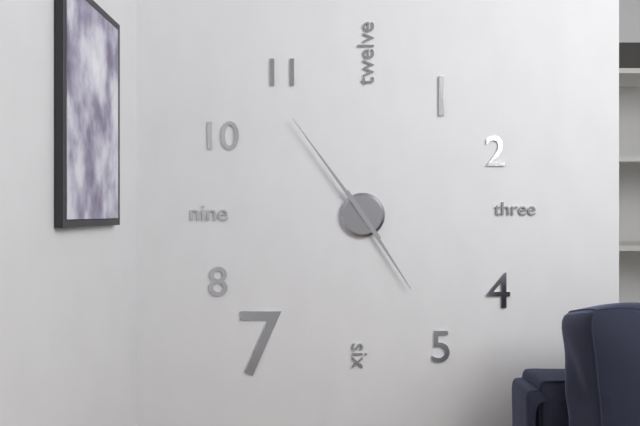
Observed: {"hour": 4, "minute": 54}
